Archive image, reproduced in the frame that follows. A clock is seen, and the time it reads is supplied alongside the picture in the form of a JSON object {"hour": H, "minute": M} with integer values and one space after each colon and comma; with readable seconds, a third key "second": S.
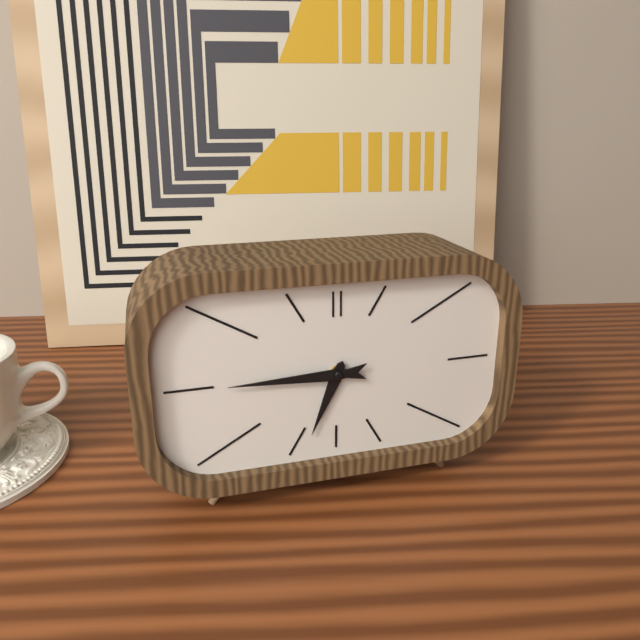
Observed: {"hour": 6, "minute": 45}
